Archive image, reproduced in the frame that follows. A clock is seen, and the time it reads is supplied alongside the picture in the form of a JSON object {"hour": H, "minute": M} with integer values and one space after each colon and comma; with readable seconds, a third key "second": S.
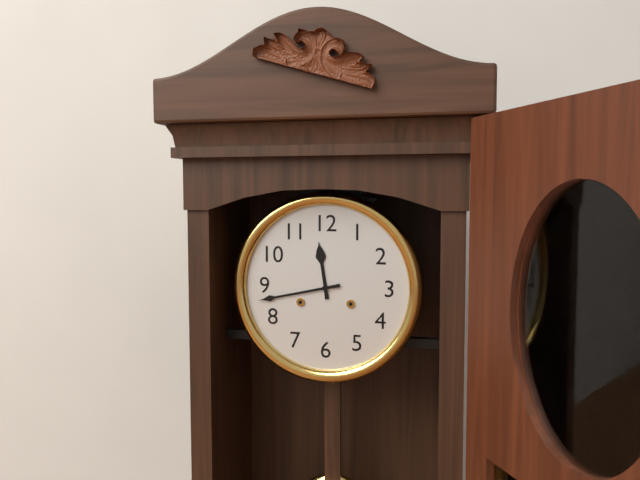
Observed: {"hour": 11, "minute": 43}
